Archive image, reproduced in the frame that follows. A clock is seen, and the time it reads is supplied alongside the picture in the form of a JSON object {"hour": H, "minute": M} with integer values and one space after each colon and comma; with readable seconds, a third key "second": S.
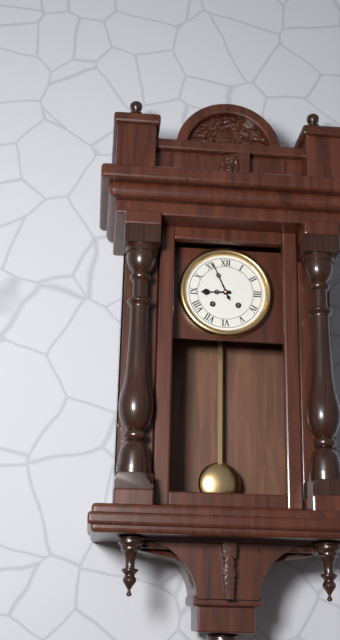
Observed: {"hour": 8, "minute": 56}
